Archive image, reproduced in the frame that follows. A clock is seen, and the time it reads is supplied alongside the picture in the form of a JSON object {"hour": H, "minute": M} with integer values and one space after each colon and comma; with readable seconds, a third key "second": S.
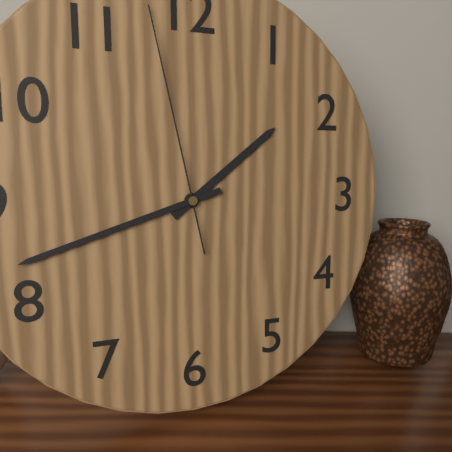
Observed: {"hour": 1, "minute": 42, "second": 58}
